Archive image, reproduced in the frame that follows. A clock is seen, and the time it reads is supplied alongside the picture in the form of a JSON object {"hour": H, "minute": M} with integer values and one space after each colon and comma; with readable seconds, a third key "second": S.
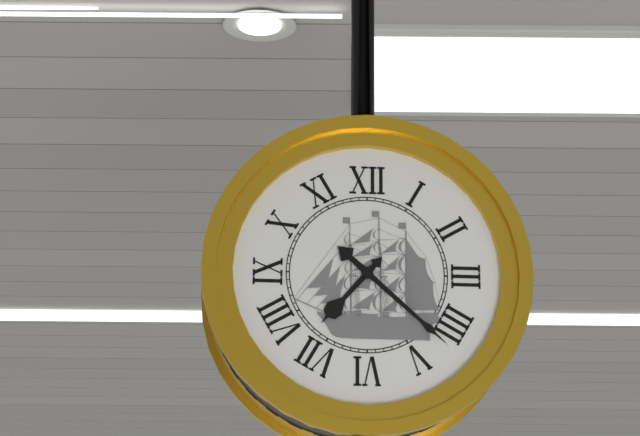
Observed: {"hour": 7, "minute": 22}
